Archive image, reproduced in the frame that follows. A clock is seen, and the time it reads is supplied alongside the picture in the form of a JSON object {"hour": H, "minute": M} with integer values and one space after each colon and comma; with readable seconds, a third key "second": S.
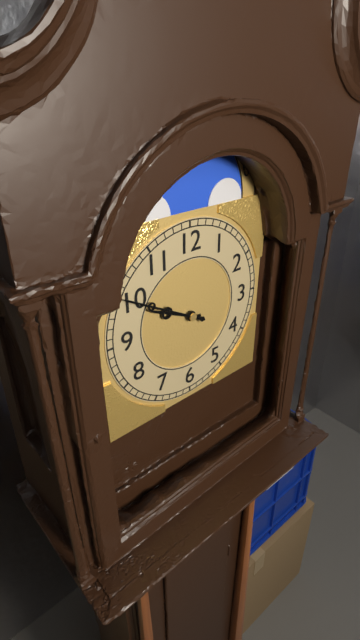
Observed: {"hour": 9, "minute": 50}
